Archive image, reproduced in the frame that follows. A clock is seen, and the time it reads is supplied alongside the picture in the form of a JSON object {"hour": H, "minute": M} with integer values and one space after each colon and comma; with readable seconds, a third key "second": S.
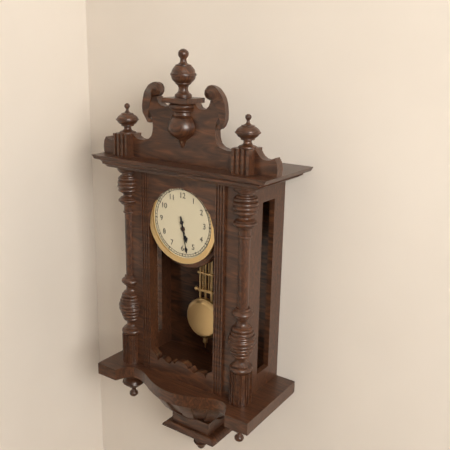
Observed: {"hour": 5, "minute": 28}
